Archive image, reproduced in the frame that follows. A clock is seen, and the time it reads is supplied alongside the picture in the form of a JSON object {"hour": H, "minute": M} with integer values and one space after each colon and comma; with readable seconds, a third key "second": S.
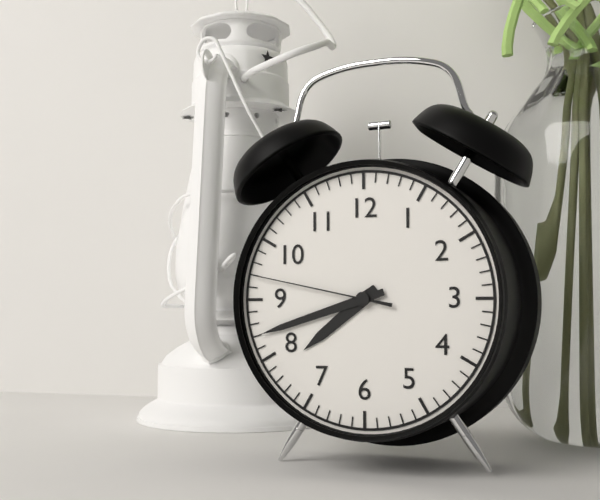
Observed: {"hour": 7, "minute": 42, "second": 47}
